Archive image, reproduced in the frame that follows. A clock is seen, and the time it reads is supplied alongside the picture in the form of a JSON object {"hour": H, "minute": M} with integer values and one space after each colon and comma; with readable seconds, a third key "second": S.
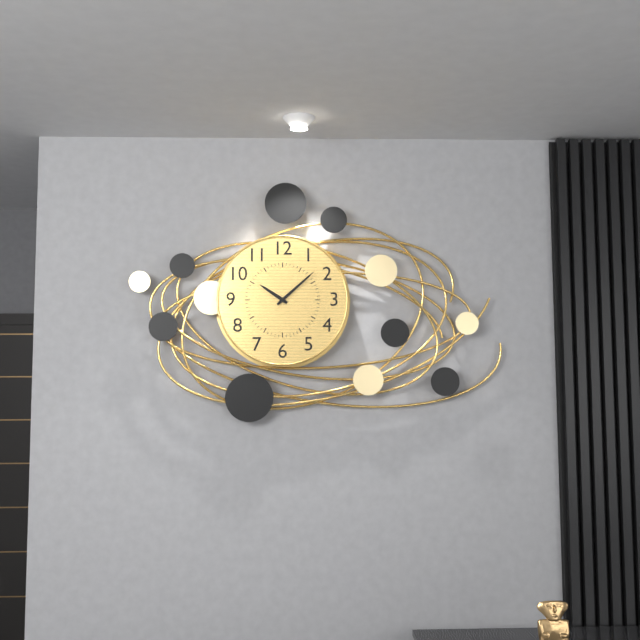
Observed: {"hour": 10, "minute": 8}
